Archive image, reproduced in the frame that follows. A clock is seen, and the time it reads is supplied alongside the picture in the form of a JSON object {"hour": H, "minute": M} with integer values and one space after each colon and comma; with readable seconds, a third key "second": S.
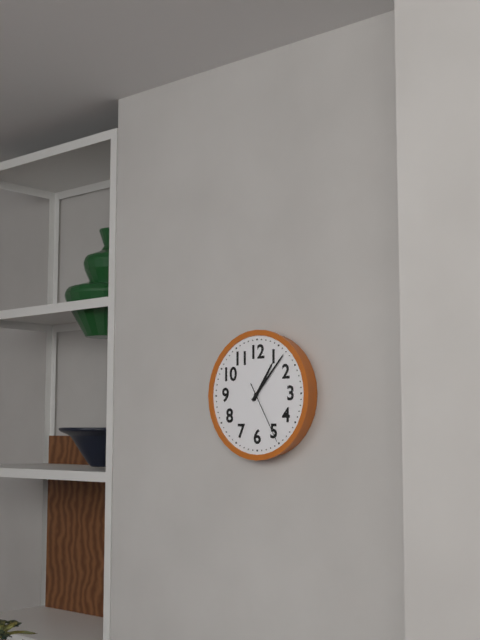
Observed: {"hour": 1, "minute": 7, "second": 25}
